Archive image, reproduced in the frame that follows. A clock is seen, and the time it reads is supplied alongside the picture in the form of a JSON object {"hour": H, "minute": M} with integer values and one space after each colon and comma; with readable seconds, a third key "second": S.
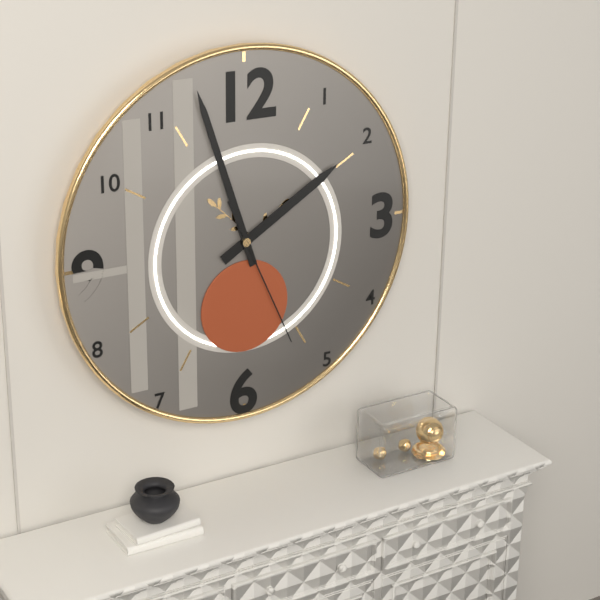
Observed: {"hour": 1, "minute": 57, "second": 26}
